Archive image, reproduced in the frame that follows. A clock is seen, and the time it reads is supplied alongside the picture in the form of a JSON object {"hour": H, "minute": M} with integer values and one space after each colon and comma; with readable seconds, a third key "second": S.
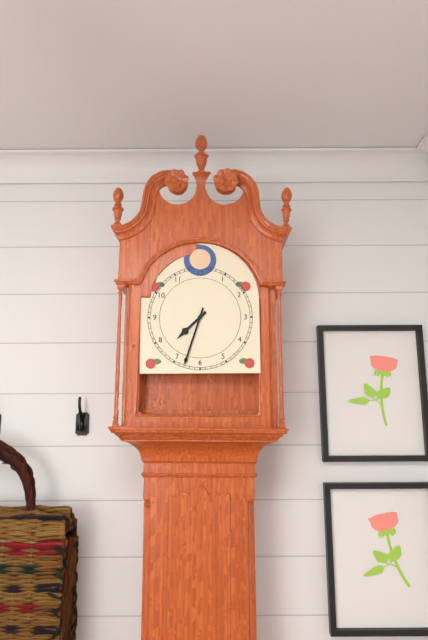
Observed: {"hour": 7, "minute": 33}
